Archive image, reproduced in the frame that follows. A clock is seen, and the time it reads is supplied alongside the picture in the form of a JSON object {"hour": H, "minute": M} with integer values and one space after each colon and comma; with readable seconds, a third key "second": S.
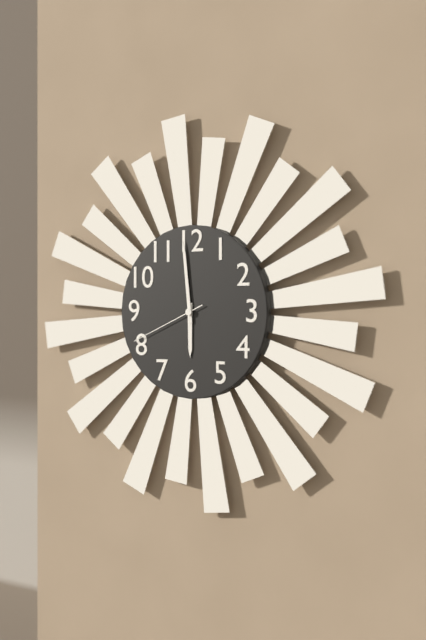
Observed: {"hour": 5, "minute": 59, "second": 41}
